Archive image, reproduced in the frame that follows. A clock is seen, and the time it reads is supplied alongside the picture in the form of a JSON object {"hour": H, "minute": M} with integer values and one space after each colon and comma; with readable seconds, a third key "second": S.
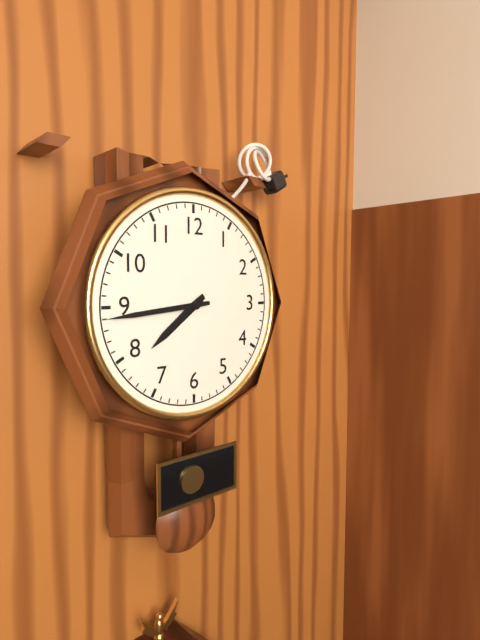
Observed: {"hour": 7, "minute": 44}
